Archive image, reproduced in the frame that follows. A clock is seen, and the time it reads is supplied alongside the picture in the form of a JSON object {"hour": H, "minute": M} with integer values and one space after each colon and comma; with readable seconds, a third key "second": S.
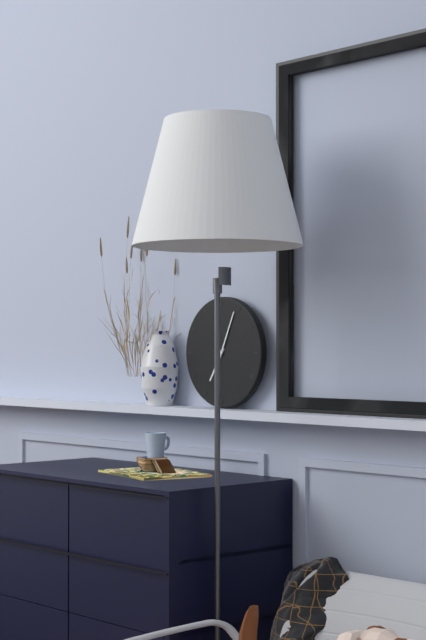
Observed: {"hour": 7, "minute": 4}
